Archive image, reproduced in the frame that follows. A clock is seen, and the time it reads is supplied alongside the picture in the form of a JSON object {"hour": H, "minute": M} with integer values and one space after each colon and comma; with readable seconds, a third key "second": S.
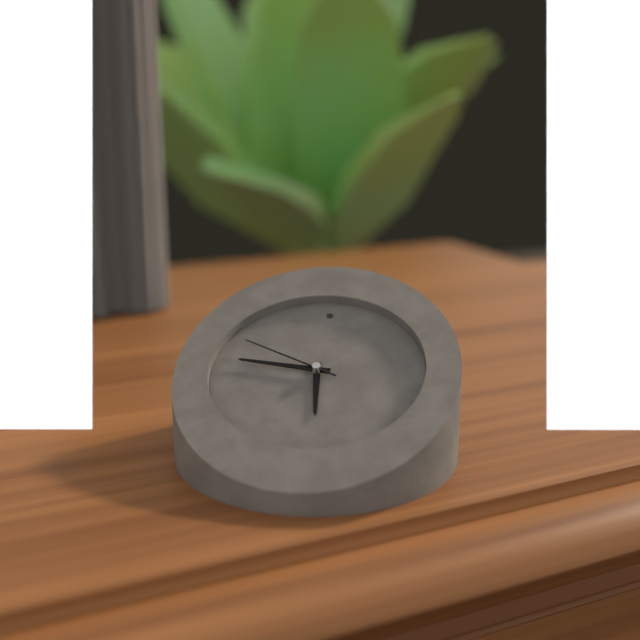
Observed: {"hour": 5, "minute": 46, "second": 49}
